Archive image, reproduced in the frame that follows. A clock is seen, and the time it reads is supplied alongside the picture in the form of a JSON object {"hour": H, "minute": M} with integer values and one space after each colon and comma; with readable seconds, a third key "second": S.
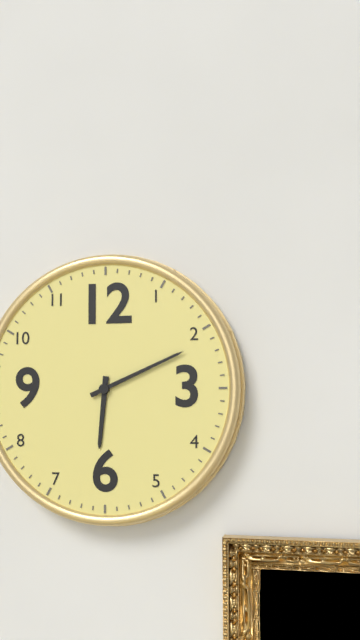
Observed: {"hour": 6, "minute": 11}
